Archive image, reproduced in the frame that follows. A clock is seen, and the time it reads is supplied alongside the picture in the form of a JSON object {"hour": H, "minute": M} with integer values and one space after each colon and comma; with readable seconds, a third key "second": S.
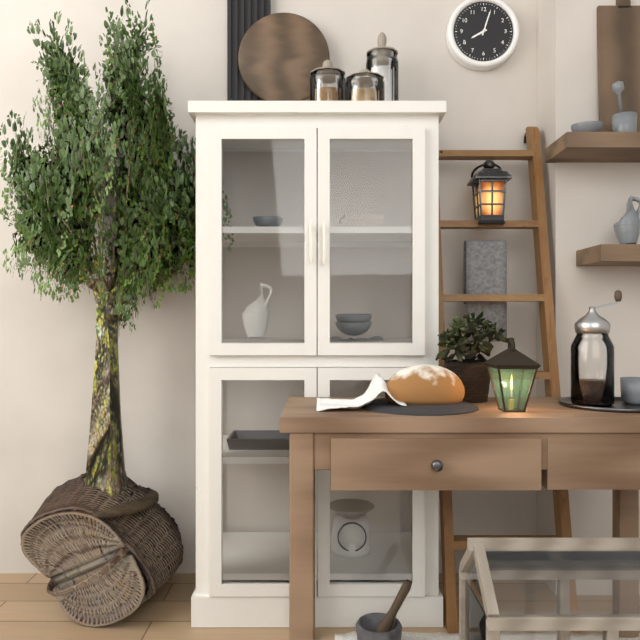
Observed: {"hour": 8, "minute": 3}
